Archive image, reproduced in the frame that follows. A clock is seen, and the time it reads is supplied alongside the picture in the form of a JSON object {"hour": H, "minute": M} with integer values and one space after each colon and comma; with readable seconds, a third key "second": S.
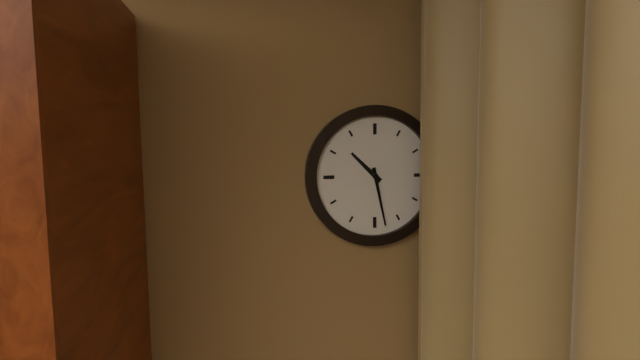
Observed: {"hour": 10, "minute": 28}
